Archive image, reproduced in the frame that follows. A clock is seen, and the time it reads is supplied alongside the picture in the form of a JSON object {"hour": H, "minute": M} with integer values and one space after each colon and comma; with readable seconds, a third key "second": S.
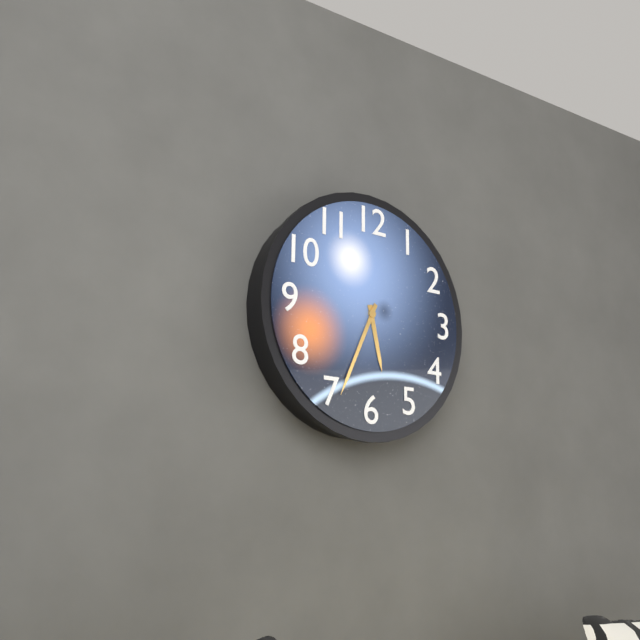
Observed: {"hour": 5, "minute": 34}
